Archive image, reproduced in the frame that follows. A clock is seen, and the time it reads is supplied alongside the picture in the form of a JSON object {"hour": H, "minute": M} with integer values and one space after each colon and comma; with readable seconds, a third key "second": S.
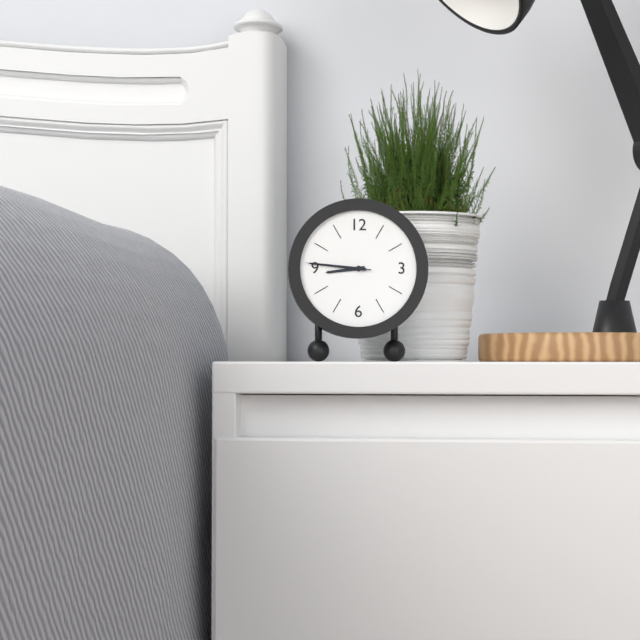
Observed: {"hour": 8, "minute": 46, "second": 46}
